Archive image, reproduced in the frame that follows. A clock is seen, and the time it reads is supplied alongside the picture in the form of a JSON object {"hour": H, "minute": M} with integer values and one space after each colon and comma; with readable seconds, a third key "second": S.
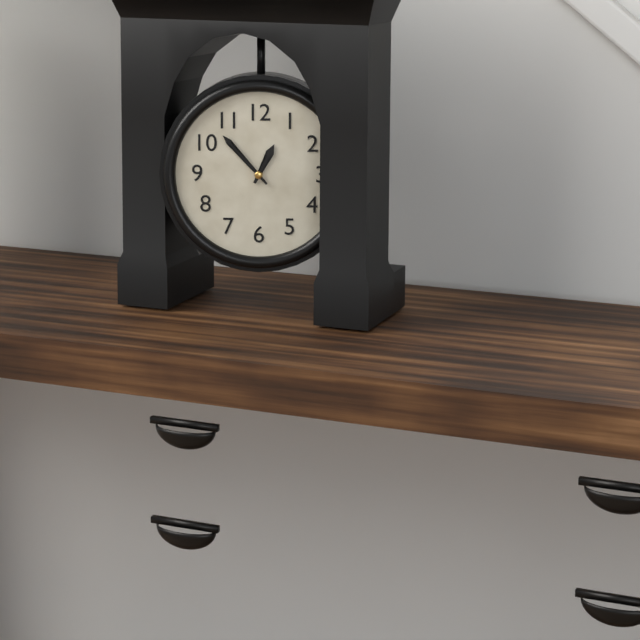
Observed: {"hour": 12, "minute": 53}
